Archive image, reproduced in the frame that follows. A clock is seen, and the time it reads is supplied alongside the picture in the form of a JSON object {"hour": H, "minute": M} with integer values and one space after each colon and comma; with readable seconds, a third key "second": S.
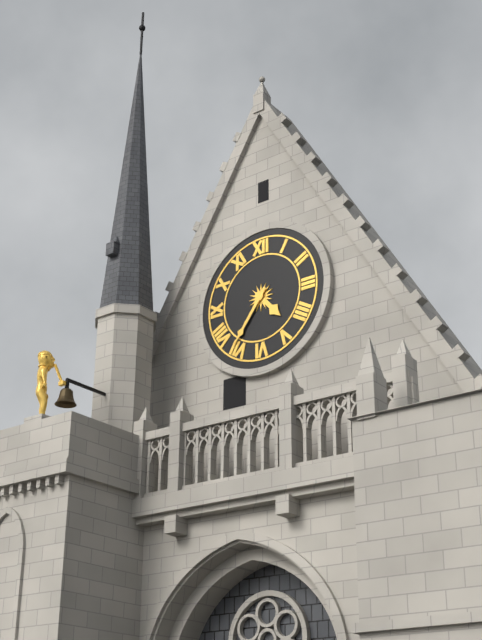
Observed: {"hour": 4, "minute": 36}
